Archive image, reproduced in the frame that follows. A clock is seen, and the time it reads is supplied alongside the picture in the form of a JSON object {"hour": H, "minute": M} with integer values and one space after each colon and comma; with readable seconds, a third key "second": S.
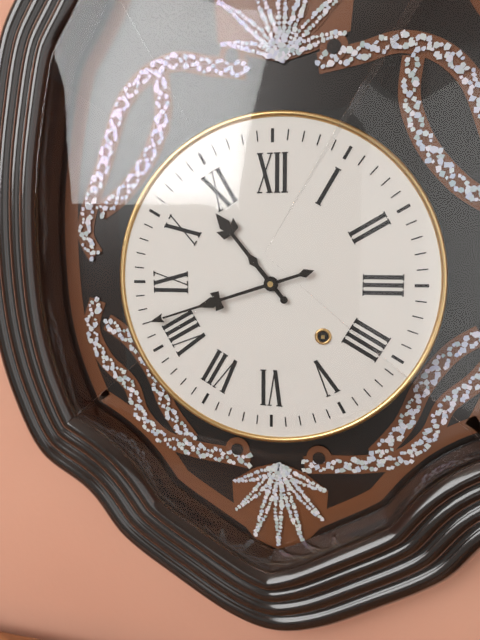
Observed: {"hour": 10, "minute": 42}
